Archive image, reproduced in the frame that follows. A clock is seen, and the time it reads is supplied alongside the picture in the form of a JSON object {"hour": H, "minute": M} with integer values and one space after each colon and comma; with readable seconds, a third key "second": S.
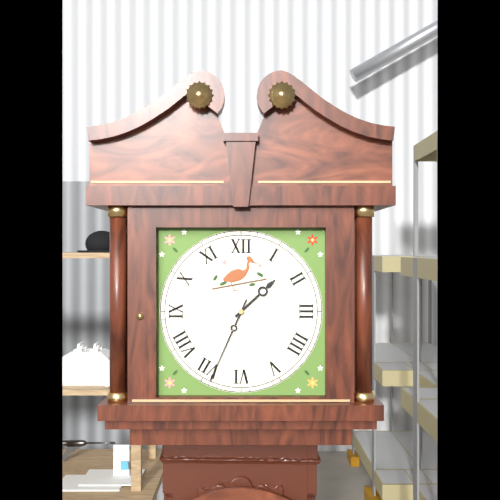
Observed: {"hour": 1, "minute": 34}
